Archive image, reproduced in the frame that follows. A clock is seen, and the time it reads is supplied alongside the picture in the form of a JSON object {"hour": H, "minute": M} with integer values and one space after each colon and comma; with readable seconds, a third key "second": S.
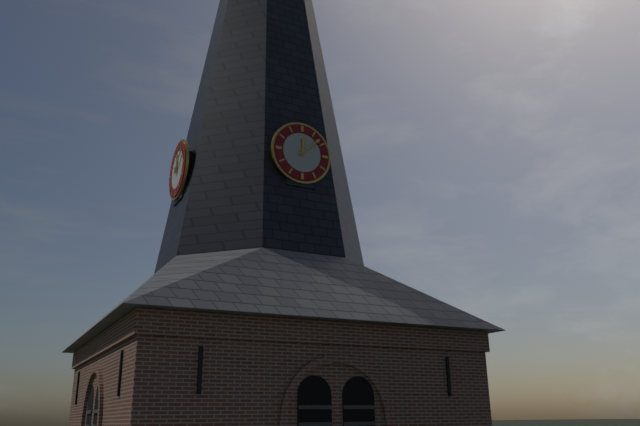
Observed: {"hour": 12, "minute": 8}
